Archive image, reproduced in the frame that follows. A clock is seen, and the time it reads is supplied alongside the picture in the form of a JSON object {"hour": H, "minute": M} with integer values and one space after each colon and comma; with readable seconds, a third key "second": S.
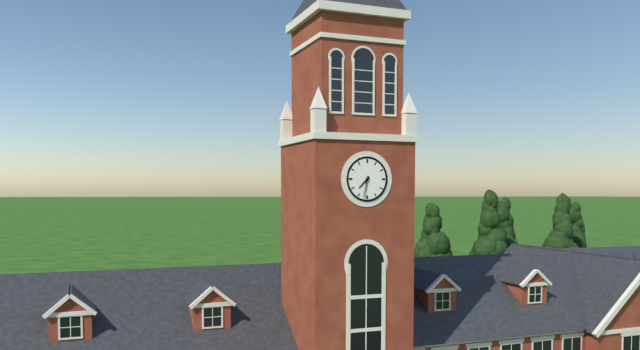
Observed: {"hour": 7, "minute": 32}
